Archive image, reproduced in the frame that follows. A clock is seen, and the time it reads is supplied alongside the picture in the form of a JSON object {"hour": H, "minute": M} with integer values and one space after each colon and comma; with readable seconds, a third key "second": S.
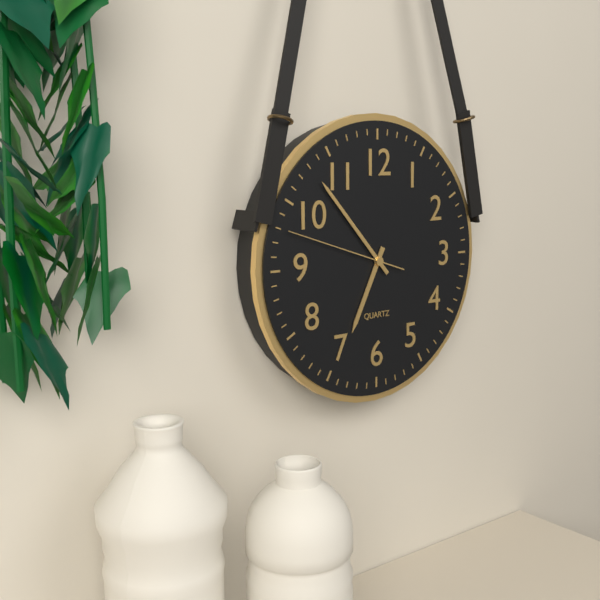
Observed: {"hour": 6, "minute": 53, "second": 48}
